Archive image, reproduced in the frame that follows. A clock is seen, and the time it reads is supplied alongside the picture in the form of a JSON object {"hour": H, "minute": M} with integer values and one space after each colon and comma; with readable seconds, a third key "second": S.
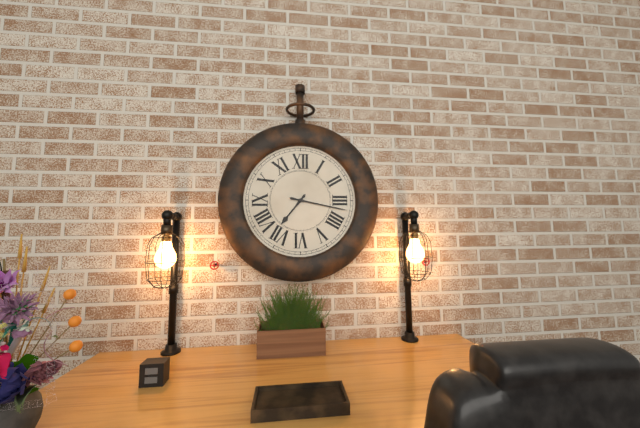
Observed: {"hour": 7, "minute": 17}
